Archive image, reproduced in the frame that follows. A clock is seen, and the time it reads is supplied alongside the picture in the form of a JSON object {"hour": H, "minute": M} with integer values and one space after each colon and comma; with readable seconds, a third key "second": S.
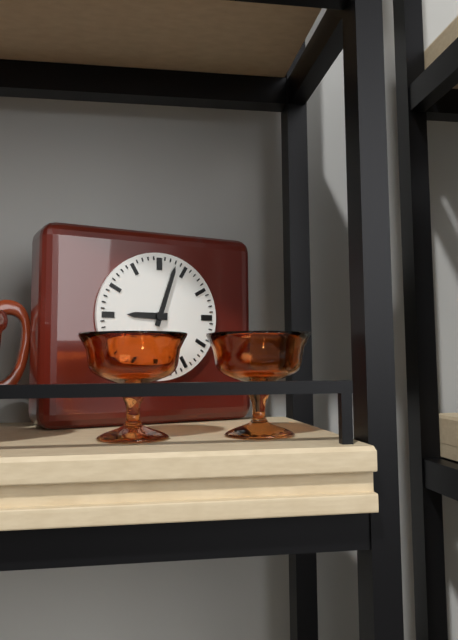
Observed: {"hour": 9, "minute": 3}
